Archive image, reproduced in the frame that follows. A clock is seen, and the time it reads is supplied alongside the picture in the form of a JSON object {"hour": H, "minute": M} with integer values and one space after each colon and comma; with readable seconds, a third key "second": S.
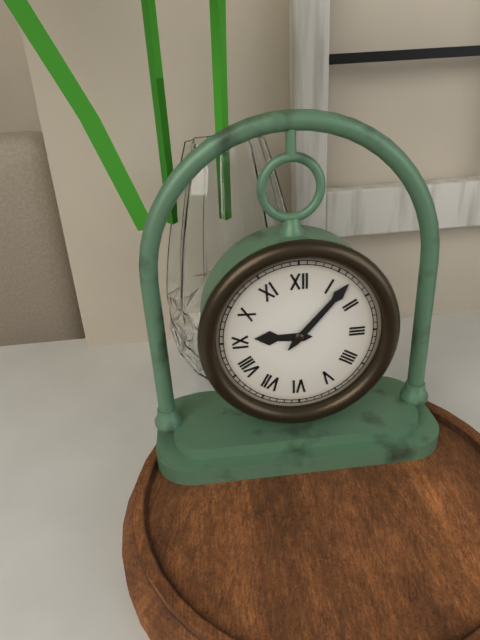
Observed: {"hour": 9, "minute": 7}
